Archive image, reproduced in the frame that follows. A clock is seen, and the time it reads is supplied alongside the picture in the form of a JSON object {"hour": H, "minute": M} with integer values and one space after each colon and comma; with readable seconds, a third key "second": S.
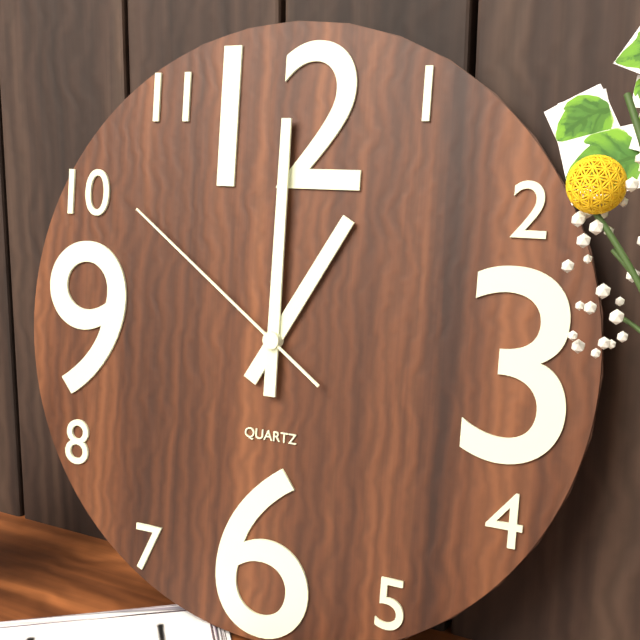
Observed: {"hour": 1, "minute": 0, "second": 51}
